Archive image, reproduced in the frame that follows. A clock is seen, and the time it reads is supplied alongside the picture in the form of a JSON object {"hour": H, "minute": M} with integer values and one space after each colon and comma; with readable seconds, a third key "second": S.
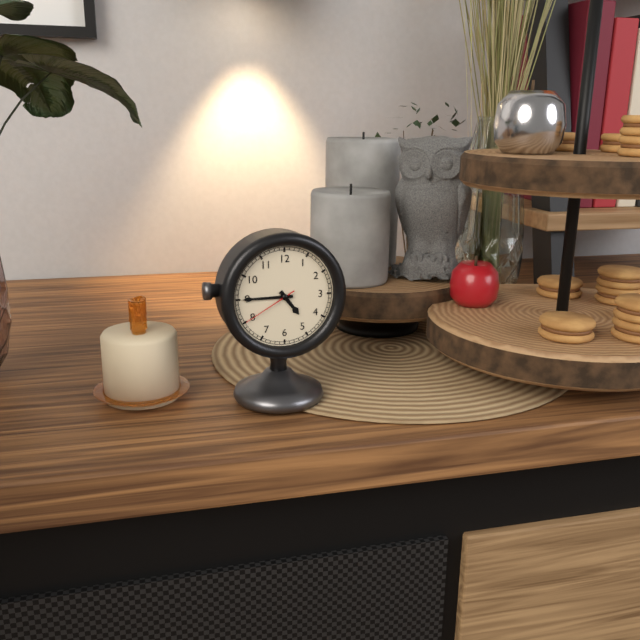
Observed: {"hour": 4, "minute": 45, "second": 40}
